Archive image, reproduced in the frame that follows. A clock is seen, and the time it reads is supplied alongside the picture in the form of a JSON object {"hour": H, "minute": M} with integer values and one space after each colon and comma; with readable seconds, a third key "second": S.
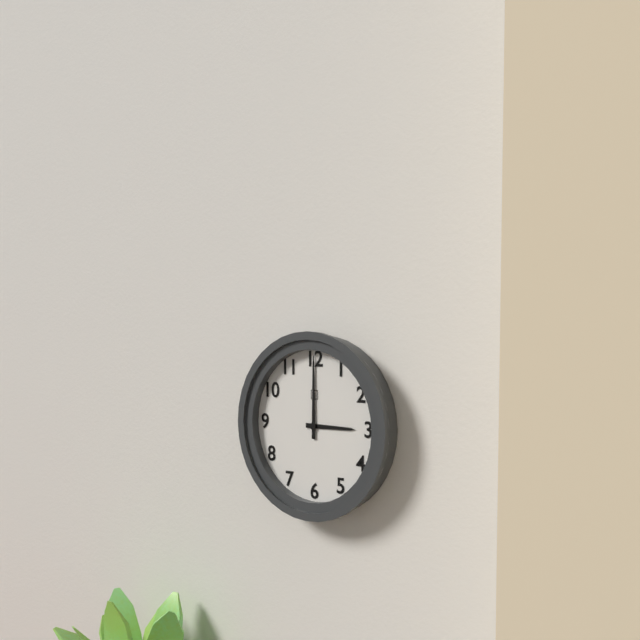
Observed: {"hour": 3, "minute": 0}
